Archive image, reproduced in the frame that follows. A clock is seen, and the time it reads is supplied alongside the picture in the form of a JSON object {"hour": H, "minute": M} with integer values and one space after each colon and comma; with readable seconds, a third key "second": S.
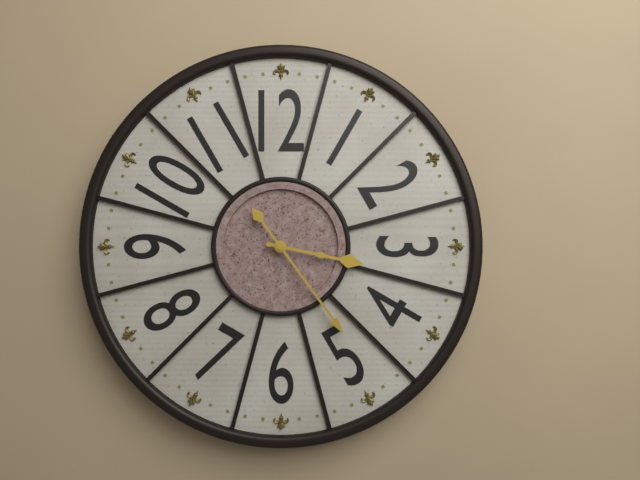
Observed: {"hour": 3, "minute": 24}
